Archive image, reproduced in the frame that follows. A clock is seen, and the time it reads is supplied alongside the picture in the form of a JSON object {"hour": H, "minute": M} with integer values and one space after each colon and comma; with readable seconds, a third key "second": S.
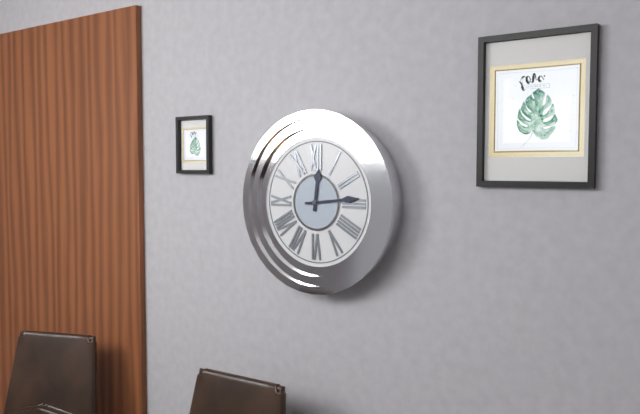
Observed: {"hour": 12, "minute": 14}
